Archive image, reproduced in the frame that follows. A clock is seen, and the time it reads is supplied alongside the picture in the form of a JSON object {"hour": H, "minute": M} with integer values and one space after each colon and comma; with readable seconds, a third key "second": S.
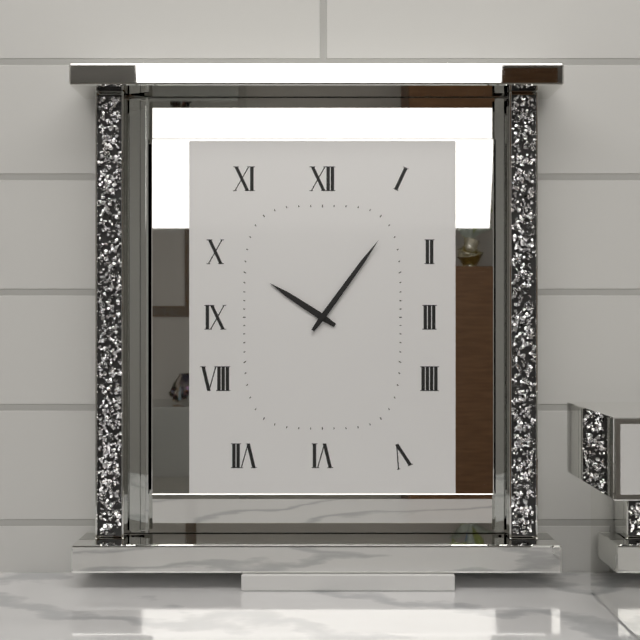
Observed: {"hour": 10, "minute": 6}
